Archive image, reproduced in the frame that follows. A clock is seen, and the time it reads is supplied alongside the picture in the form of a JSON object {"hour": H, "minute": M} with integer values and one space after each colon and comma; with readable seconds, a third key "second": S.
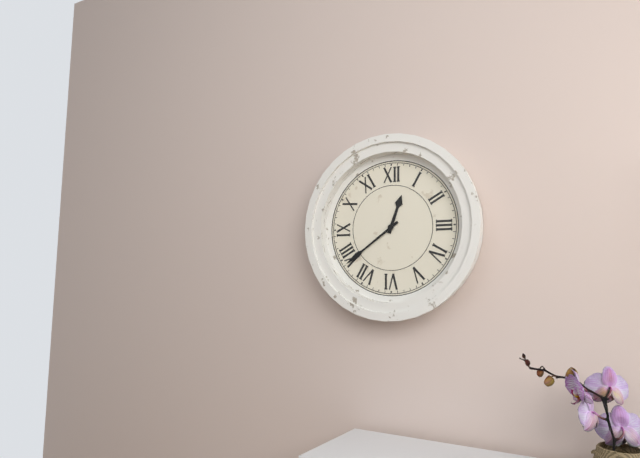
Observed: {"hour": 12, "minute": 39}
